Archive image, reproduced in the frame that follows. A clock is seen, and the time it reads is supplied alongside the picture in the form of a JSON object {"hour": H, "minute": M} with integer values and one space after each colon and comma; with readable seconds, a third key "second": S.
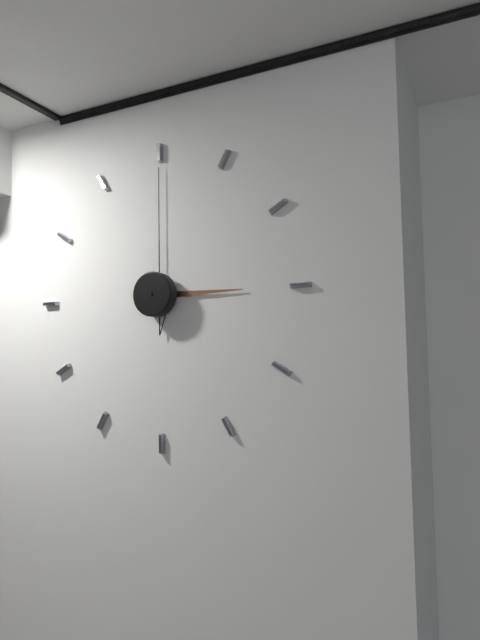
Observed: {"hour": 3, "minute": 0}
